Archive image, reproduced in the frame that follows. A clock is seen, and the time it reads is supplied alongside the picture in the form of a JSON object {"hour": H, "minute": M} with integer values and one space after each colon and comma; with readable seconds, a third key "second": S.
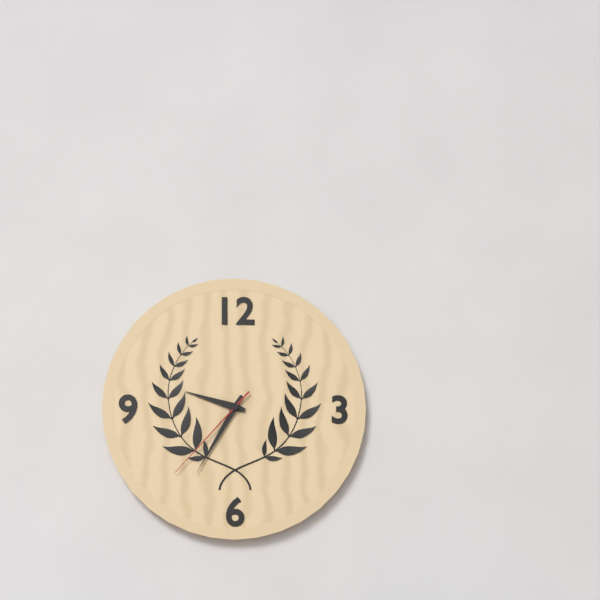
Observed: {"hour": 9, "minute": 35, "second": 37}
